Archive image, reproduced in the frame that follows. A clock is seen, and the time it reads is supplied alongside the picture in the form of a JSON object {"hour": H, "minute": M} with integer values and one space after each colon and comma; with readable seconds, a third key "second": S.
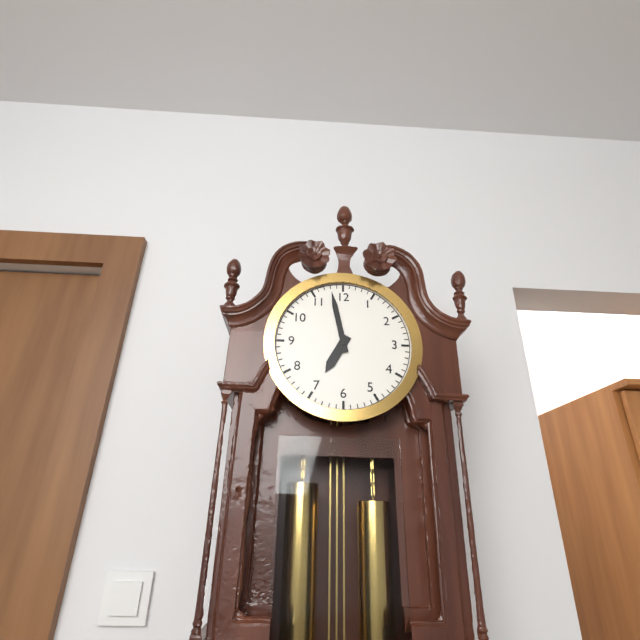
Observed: {"hour": 6, "minute": 58}
